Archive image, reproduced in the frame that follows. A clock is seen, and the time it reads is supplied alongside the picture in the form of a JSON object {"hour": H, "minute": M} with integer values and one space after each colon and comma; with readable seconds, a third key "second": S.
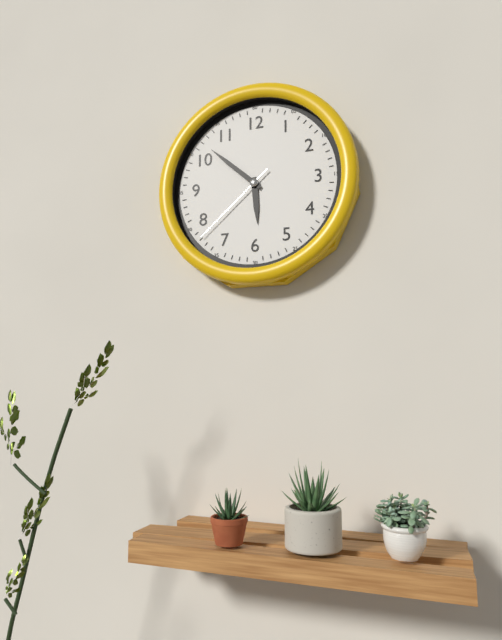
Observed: {"hour": 5, "minute": 52, "second": 38}
